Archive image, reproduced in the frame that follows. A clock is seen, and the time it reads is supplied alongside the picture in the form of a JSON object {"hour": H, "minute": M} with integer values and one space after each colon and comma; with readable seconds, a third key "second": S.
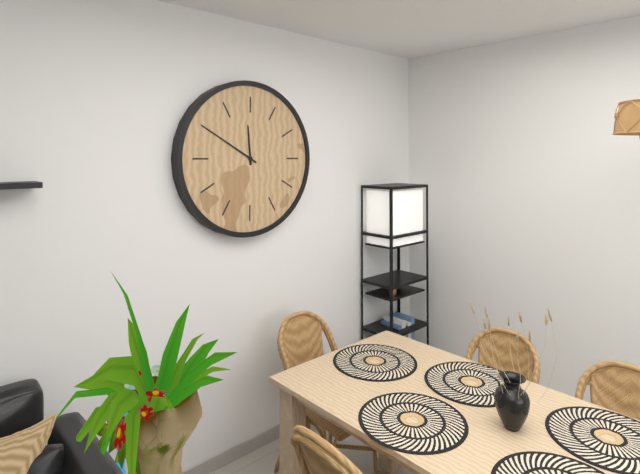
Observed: {"hour": 11, "minute": 50}
